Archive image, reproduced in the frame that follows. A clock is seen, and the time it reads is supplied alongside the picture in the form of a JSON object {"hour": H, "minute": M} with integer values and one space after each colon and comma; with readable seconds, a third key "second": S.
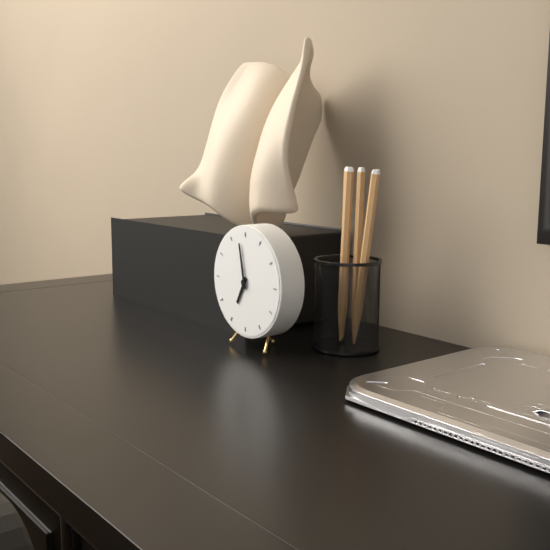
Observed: {"hour": 6, "minute": 58}
